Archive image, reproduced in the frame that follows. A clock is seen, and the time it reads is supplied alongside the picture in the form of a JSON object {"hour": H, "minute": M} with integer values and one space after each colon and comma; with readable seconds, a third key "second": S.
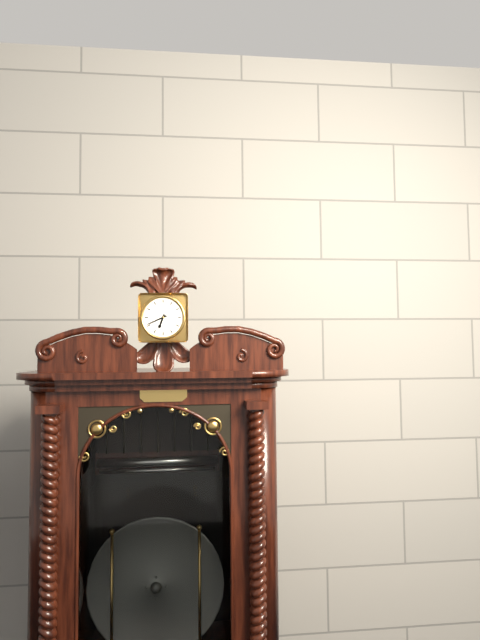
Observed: {"hour": 6, "minute": 41}
